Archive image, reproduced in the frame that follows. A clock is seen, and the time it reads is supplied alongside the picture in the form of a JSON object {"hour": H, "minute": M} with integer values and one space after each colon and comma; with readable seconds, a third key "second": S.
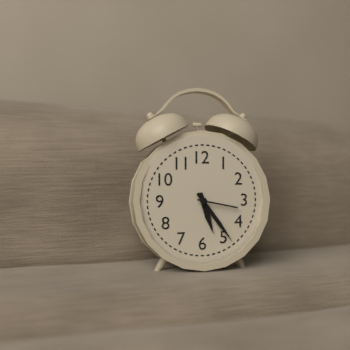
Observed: {"hour": 5, "minute": 24}
